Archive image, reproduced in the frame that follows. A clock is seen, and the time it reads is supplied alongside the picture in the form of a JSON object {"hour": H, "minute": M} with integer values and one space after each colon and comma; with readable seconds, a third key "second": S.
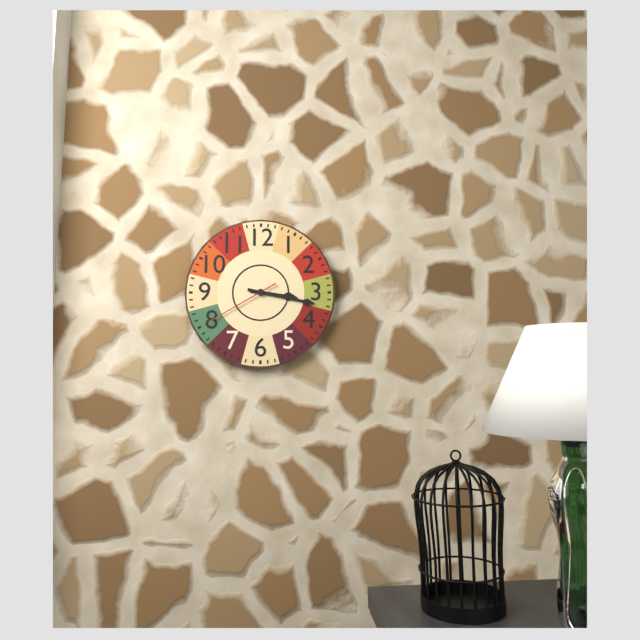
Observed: {"hour": 3, "minute": 17, "second": 40}
